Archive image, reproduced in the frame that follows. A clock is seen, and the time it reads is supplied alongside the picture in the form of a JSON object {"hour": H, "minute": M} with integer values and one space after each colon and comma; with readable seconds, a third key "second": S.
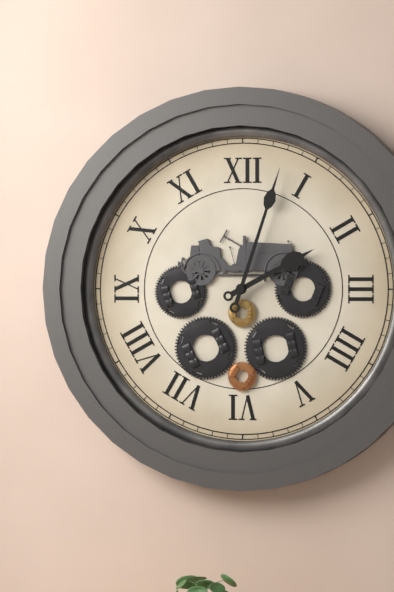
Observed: {"hour": 2, "minute": 3}
